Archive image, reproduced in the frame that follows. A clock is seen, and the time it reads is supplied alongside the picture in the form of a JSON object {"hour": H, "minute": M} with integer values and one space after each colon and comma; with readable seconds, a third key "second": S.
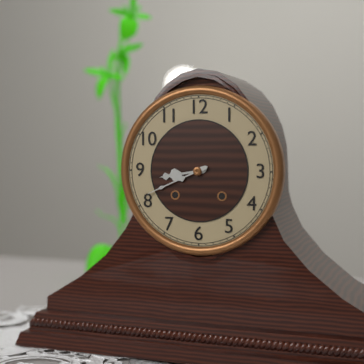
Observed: {"hour": 8, "minute": 41}
